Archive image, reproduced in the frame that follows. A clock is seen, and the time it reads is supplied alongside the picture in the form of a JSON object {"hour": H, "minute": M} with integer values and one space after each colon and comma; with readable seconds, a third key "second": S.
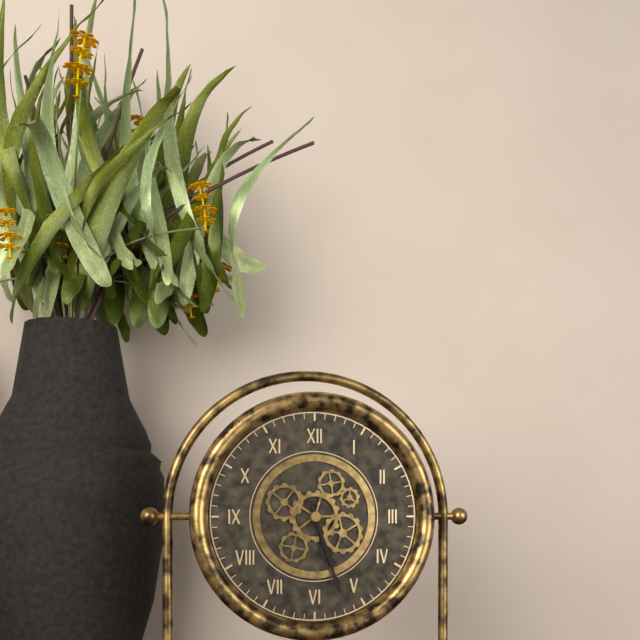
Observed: {"hour": 5, "minute": 27}
